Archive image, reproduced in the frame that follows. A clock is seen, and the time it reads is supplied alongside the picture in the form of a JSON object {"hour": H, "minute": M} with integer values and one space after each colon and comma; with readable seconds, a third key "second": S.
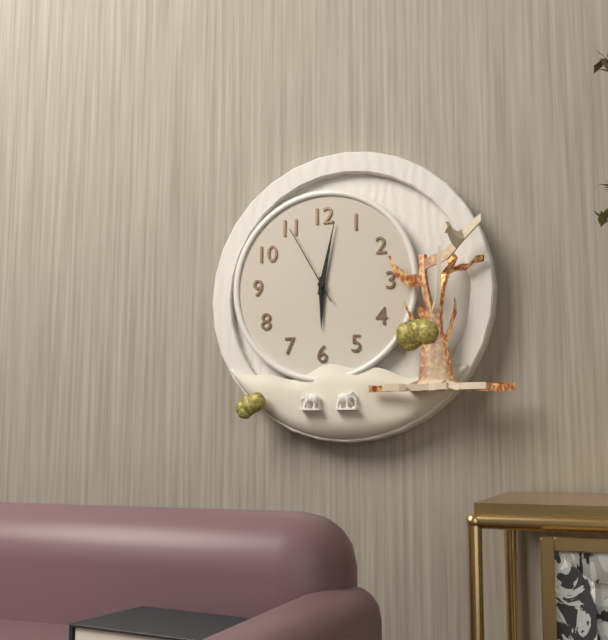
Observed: {"hour": 6, "minute": 2, "second": 55}
